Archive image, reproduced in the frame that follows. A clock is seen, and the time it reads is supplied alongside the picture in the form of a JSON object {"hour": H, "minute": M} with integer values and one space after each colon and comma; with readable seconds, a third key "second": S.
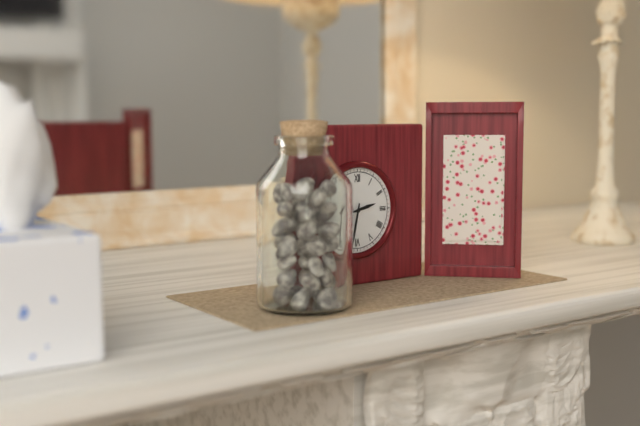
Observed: {"hour": 2, "minute": 32}
